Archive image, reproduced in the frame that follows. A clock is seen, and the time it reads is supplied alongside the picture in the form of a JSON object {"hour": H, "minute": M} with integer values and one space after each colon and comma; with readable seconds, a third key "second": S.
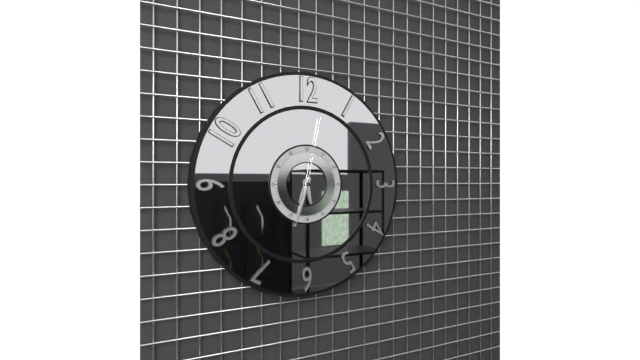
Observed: {"hour": 5, "minute": 33, "second": 2}
